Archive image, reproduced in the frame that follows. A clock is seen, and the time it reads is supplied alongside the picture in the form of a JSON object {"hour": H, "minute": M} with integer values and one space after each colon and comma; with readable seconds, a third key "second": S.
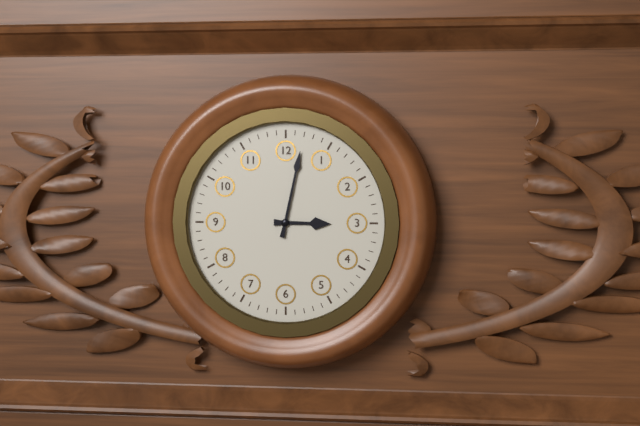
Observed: {"hour": 3, "minute": 2}
